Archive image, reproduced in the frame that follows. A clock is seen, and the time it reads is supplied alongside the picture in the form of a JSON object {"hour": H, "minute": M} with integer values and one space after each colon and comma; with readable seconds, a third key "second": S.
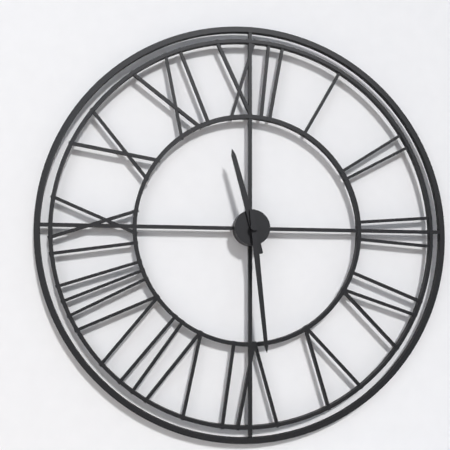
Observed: {"hour": 11, "minute": 29}
